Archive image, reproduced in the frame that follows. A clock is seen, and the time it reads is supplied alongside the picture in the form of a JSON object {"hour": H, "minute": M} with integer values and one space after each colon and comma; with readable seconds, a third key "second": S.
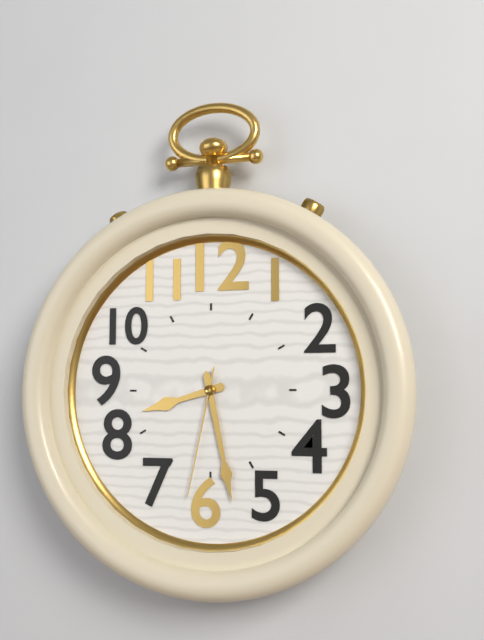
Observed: {"hour": 8, "minute": 28, "second": 32}
